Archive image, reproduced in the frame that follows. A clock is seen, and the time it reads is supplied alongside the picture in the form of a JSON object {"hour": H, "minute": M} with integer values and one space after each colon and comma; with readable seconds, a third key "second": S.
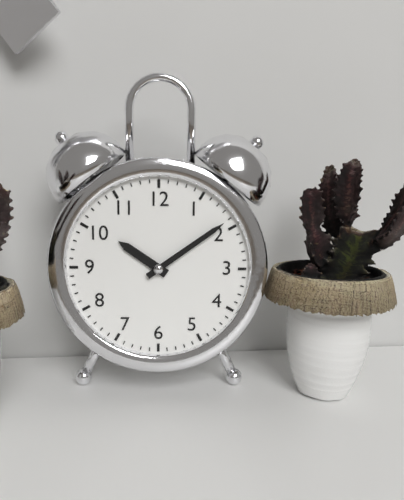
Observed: {"hour": 10, "minute": 9}
